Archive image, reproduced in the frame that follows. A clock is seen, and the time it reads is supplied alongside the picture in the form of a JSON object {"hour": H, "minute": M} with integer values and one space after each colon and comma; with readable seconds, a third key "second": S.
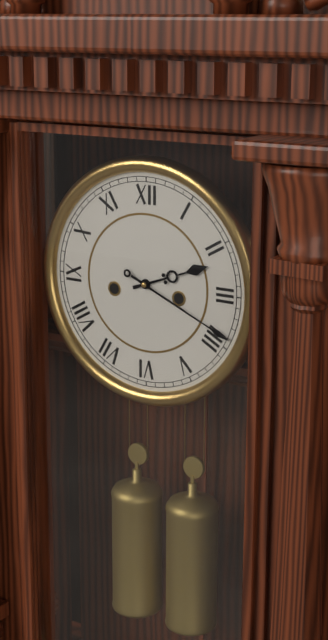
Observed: {"hour": 2, "minute": 19}
